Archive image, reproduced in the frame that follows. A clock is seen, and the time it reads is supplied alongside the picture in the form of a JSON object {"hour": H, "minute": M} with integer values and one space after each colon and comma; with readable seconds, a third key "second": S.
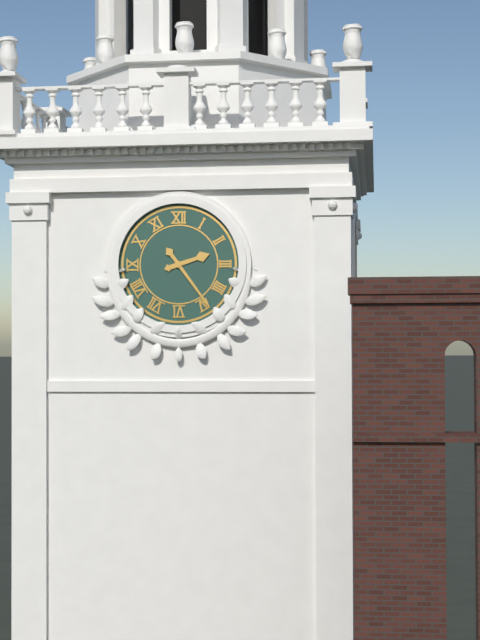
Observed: {"hour": 2, "minute": 24}
